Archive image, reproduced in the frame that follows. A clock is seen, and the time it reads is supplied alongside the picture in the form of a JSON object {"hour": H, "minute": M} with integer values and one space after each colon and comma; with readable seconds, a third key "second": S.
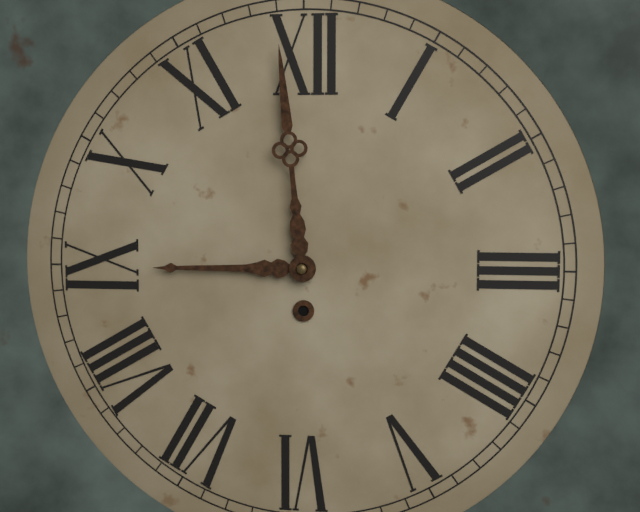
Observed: {"hour": 8, "minute": 59}
